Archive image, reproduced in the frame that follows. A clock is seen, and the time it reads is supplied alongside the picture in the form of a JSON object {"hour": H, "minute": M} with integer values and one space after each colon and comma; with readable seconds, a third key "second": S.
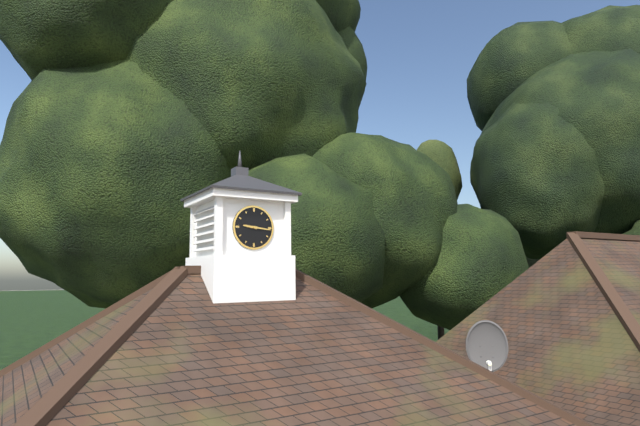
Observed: {"hour": 9, "minute": 16}
